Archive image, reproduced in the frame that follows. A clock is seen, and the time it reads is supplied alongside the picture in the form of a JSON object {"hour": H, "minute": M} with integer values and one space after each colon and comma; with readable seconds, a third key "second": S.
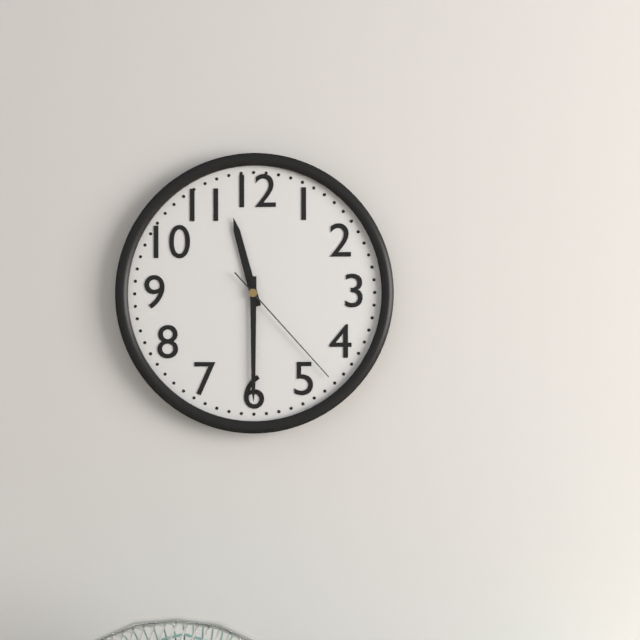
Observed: {"hour": 11, "minute": 30, "second": 23}
